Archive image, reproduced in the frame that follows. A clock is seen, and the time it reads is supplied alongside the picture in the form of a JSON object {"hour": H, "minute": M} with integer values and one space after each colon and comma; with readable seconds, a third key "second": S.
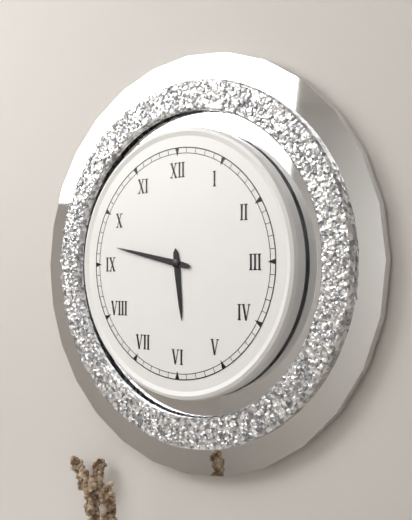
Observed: {"hour": 5, "minute": 47}
